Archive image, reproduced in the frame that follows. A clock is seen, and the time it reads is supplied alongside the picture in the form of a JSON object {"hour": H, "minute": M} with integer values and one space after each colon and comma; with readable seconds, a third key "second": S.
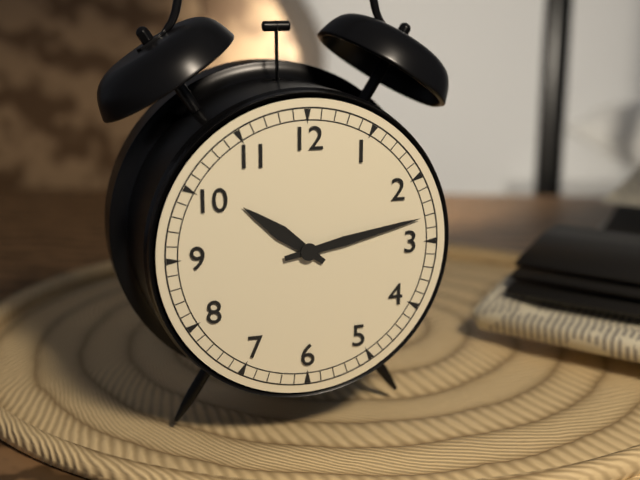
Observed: {"hour": 10, "minute": 13}
